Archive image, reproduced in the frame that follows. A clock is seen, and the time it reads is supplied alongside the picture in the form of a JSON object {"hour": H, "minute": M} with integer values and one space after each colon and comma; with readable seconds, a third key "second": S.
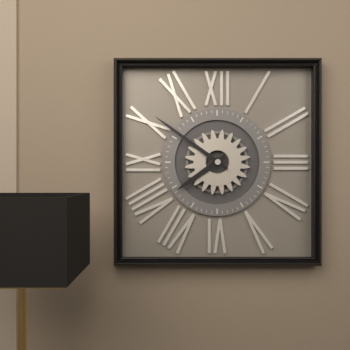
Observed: {"hour": 7, "minute": 51}
